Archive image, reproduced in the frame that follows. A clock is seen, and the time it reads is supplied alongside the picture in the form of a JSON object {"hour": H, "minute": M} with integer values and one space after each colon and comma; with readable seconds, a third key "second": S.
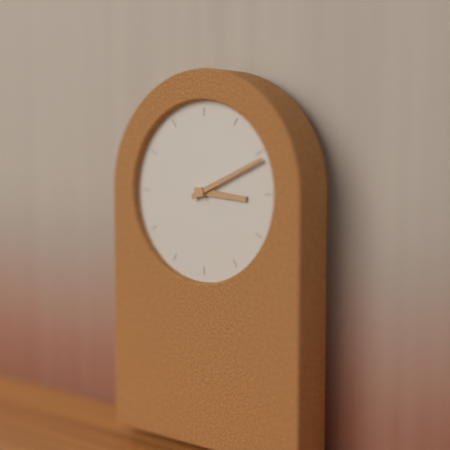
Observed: {"hour": 3, "minute": 11}
